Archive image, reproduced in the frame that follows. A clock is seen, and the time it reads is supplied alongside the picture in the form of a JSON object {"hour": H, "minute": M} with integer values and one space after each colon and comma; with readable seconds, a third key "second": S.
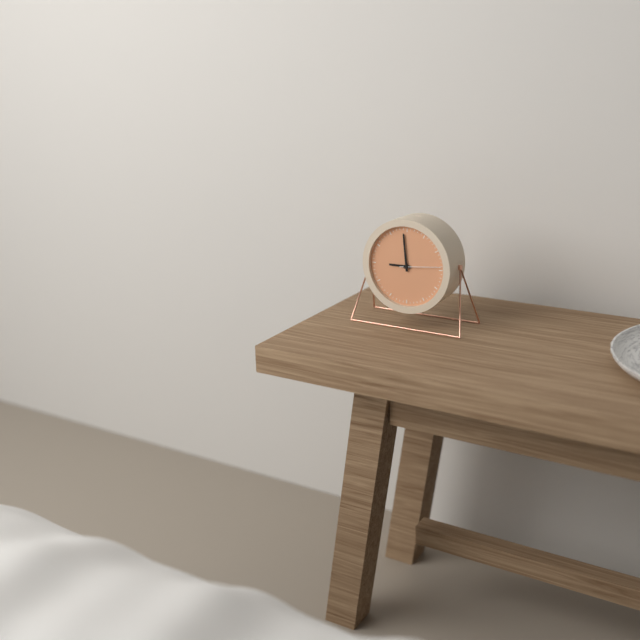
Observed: {"hour": 8, "minute": 59}
